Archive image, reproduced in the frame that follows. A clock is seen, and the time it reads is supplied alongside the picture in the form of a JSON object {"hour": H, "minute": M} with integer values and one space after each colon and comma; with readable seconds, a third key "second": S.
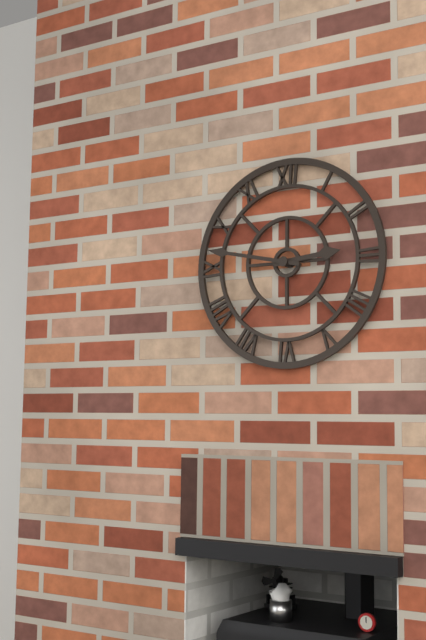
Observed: {"hour": 2, "minute": 47}
